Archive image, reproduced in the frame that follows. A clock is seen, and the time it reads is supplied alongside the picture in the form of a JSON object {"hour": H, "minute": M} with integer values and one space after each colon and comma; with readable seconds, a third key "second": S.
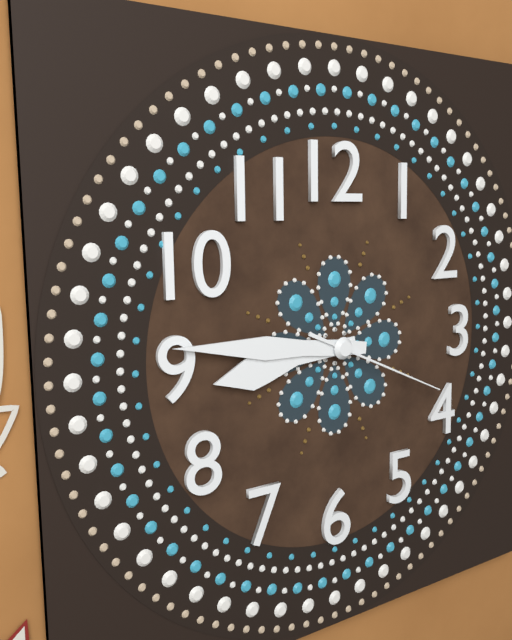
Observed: {"hour": 8, "minute": 46, "second": 19}
